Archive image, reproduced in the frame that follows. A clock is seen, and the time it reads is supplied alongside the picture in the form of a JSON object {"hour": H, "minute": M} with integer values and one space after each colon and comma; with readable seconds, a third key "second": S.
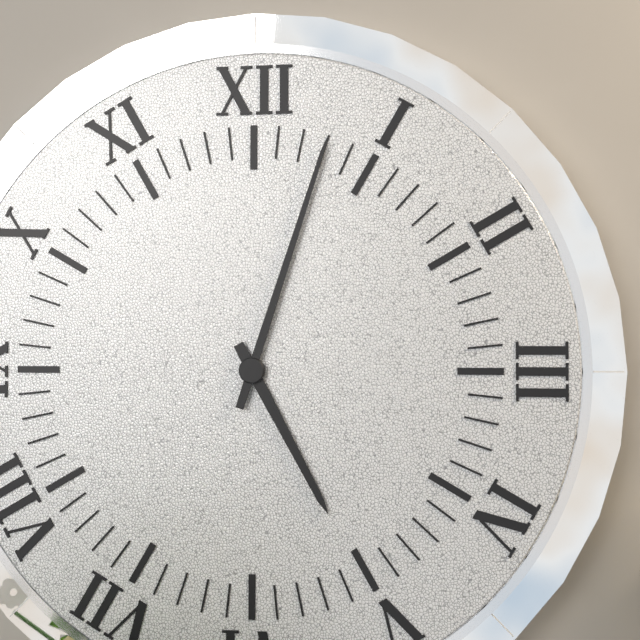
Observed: {"hour": 5, "minute": 3}
